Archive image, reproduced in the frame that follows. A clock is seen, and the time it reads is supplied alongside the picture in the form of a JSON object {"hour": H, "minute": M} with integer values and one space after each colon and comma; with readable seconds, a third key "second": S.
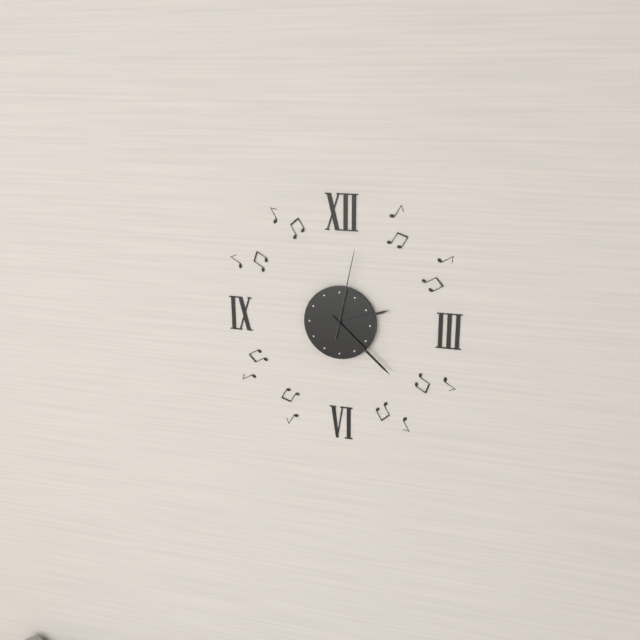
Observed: {"hour": 2, "minute": 22, "second": 2}
